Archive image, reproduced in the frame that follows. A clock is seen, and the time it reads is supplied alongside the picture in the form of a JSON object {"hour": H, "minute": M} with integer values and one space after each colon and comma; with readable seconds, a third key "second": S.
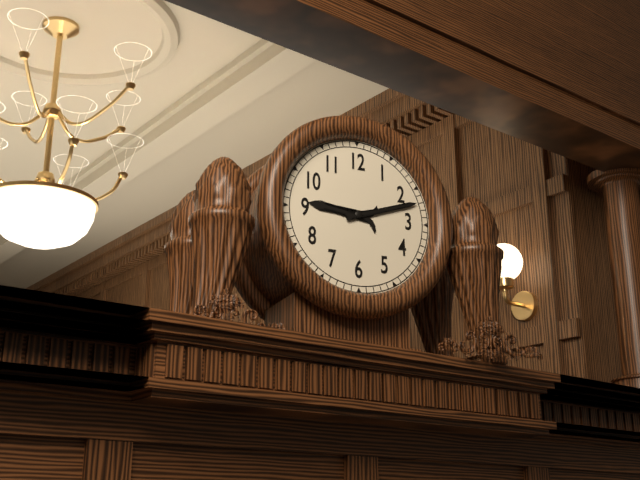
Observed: {"hour": 9, "minute": 12}
